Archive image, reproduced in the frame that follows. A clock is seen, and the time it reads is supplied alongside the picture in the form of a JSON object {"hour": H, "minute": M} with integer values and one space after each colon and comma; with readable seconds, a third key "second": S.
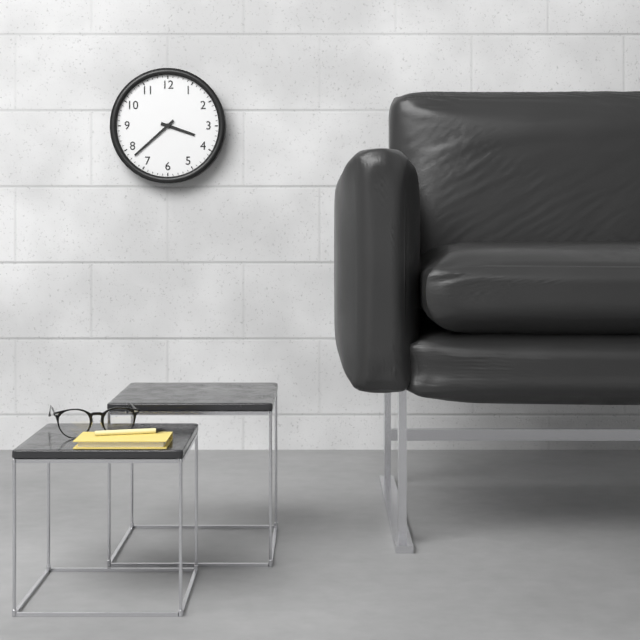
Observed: {"hour": 3, "minute": 38}
